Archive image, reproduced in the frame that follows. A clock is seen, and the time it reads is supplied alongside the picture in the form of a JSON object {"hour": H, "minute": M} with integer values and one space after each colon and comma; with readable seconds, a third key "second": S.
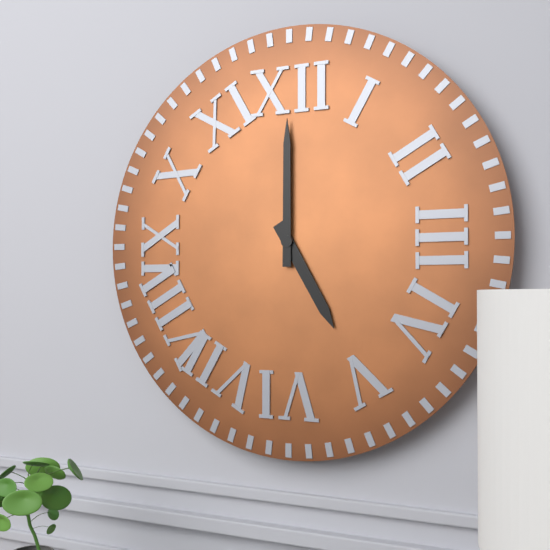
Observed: {"hour": 5, "minute": 0}
